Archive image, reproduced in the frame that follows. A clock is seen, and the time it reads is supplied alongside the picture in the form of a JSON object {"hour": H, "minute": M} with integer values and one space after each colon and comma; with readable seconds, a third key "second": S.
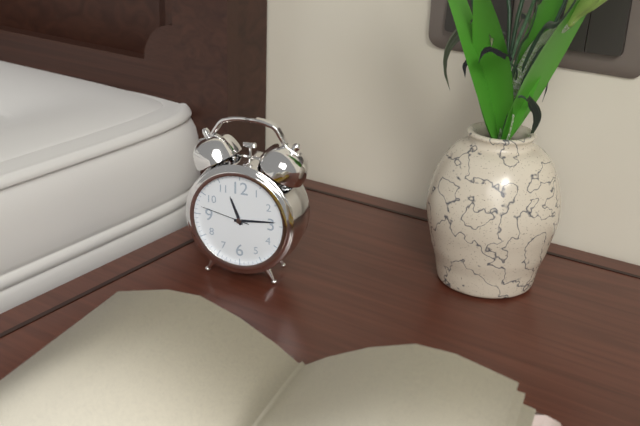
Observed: {"hour": 11, "minute": 14, "second": 47}
